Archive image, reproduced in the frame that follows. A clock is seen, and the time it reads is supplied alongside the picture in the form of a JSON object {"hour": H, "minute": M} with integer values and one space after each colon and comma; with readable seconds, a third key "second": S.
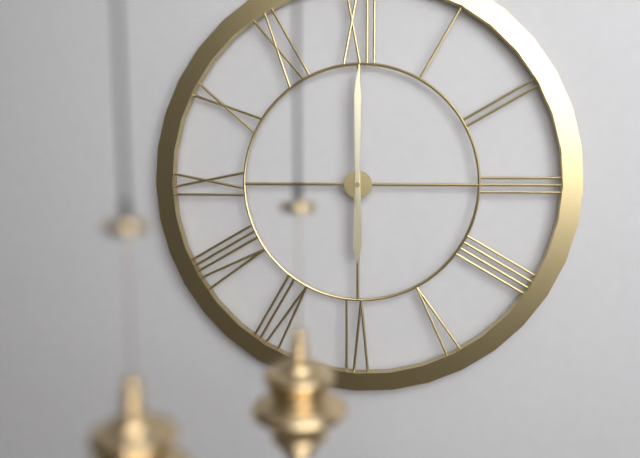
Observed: {"hour": 6, "minute": 0}
